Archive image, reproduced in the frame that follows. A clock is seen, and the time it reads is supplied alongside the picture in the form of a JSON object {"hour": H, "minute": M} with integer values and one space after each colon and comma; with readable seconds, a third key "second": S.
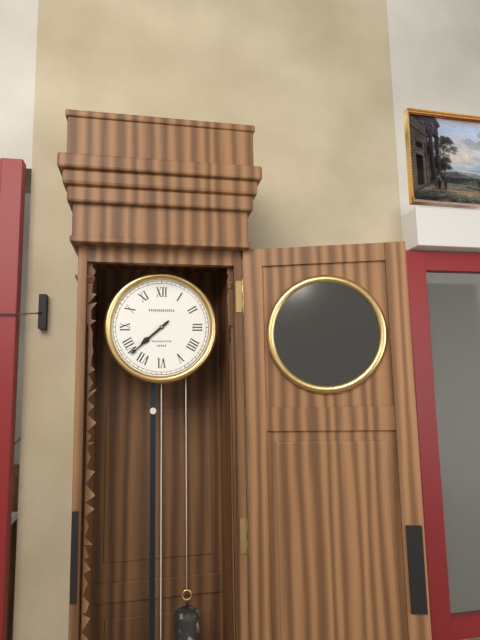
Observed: {"hour": 7, "minute": 38}
